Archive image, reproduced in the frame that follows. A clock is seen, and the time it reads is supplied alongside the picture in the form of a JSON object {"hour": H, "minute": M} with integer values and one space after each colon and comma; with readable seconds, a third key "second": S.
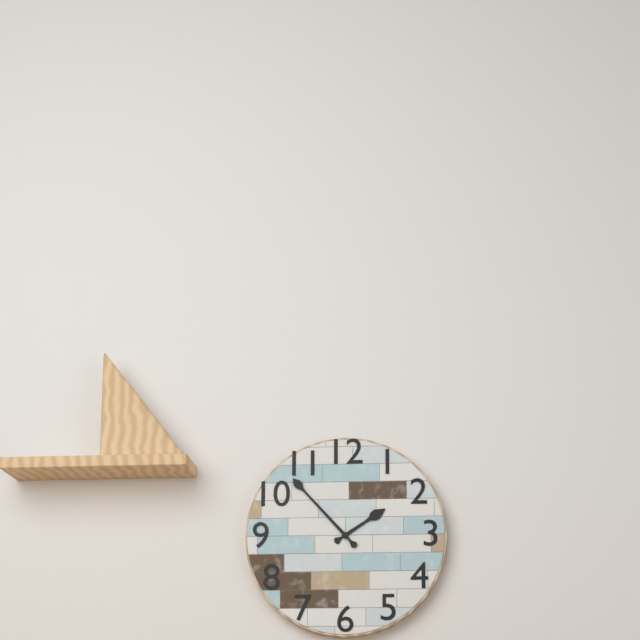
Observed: {"hour": 1, "minute": 53}
